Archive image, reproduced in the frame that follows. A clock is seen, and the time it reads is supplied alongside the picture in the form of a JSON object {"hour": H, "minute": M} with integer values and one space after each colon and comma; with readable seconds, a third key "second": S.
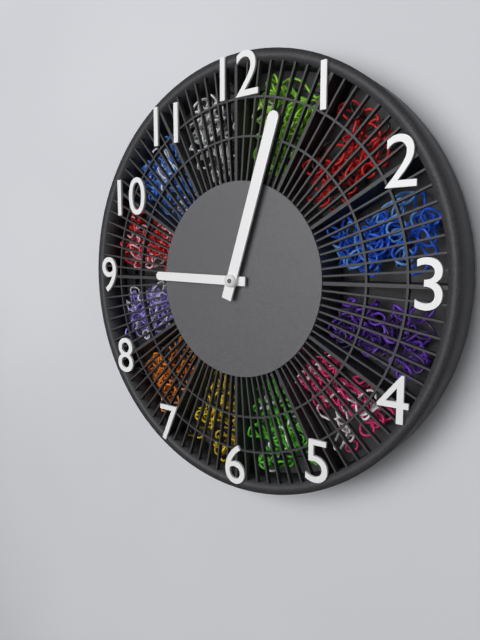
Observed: {"hour": 9, "minute": 3}
